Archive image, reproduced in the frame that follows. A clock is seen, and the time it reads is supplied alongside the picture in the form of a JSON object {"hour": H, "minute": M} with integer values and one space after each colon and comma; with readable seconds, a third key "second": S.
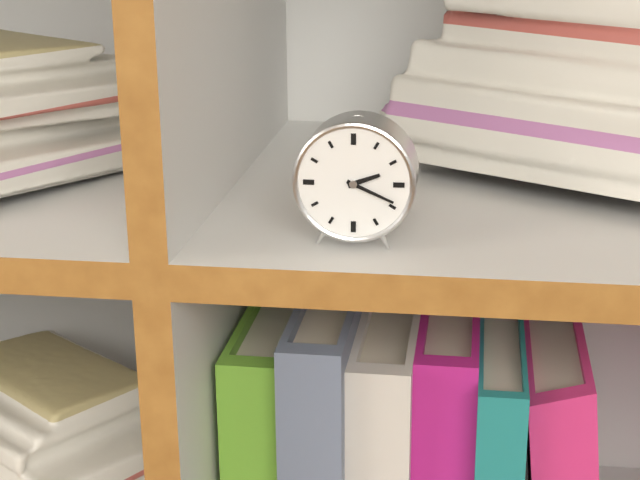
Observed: {"hour": 2, "minute": 19}
